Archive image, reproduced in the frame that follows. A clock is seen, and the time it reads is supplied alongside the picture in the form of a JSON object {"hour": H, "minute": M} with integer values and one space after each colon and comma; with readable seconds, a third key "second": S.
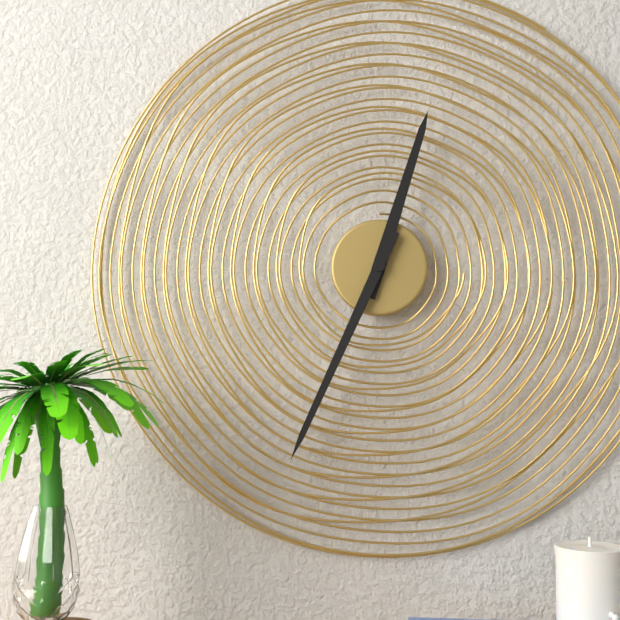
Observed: {"hour": 12, "minute": 34}
